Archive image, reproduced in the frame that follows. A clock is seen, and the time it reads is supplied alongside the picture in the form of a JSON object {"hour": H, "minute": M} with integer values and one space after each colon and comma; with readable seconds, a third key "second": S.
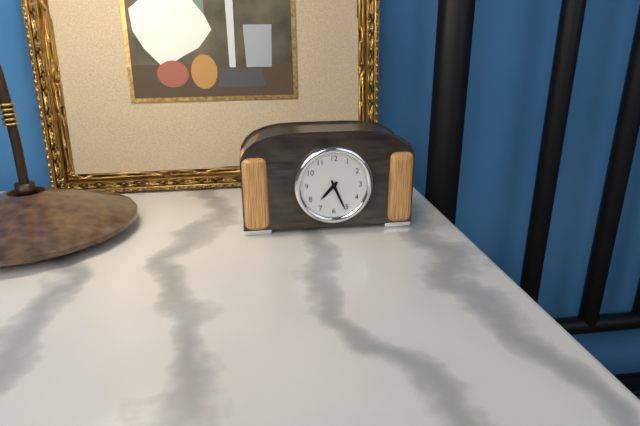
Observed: {"hour": 7, "minute": 26}
